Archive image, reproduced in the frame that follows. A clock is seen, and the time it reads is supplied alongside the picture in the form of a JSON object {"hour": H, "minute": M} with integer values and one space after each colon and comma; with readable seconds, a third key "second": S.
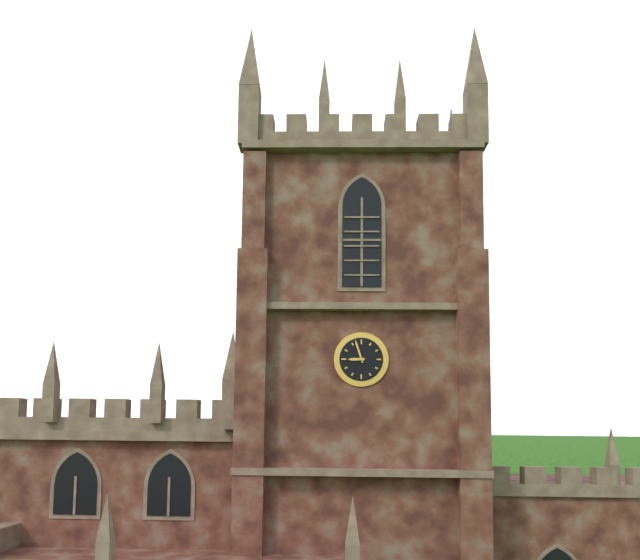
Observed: {"hour": 8, "minute": 57}
